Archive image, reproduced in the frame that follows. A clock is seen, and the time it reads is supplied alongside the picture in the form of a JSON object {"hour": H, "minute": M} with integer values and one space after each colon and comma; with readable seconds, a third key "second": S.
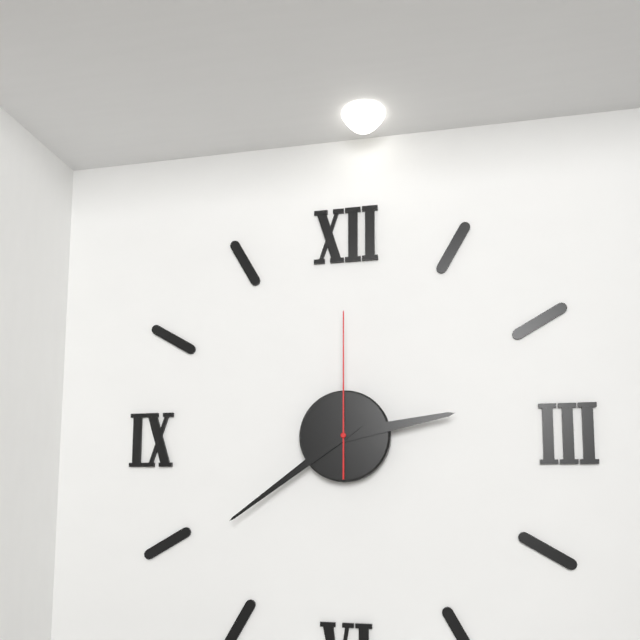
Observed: {"hour": 2, "minute": 39, "second": 0}
